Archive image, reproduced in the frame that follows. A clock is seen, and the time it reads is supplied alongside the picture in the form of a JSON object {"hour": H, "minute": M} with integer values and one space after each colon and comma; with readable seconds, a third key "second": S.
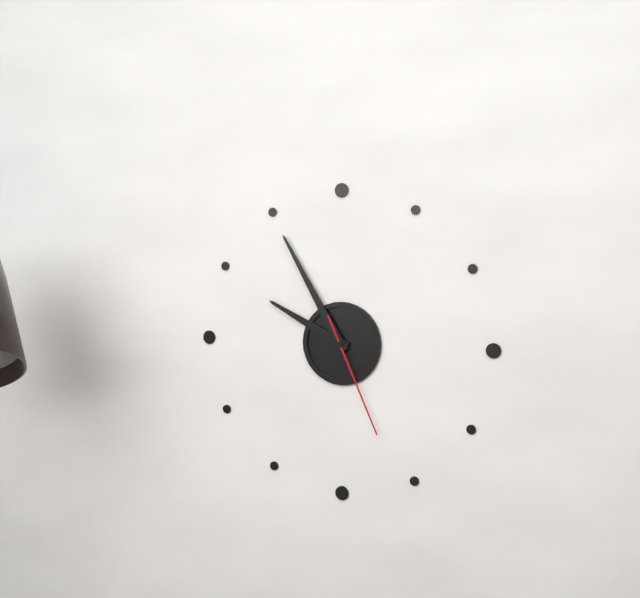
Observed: {"hour": 9, "minute": 55, "second": 26}
